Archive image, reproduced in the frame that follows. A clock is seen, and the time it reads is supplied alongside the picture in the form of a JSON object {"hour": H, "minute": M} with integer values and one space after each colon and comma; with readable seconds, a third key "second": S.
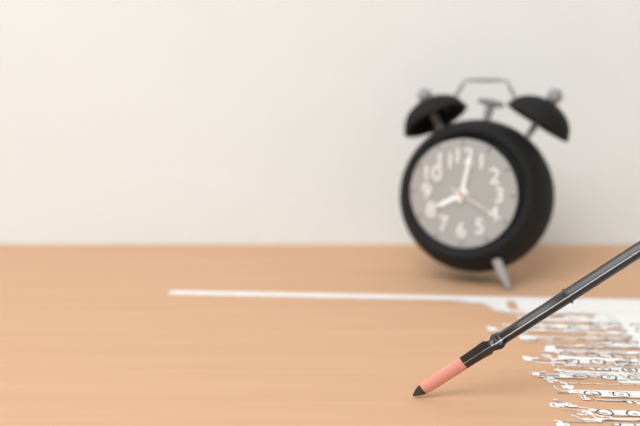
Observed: {"hour": 8, "minute": 2, "second": 20}
